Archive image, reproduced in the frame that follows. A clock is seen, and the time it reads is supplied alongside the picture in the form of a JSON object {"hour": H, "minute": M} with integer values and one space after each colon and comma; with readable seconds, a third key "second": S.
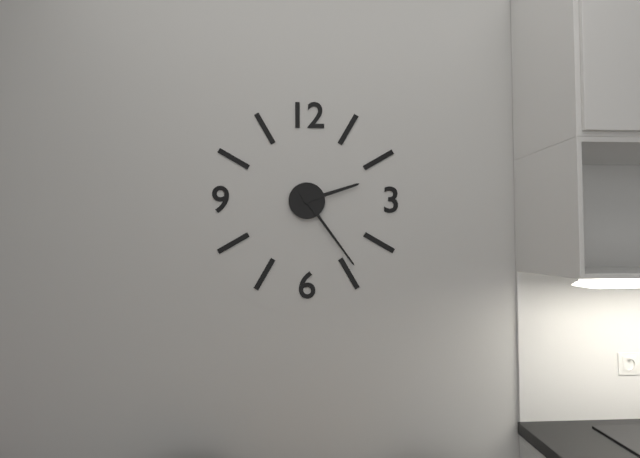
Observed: {"hour": 2, "minute": 24}
